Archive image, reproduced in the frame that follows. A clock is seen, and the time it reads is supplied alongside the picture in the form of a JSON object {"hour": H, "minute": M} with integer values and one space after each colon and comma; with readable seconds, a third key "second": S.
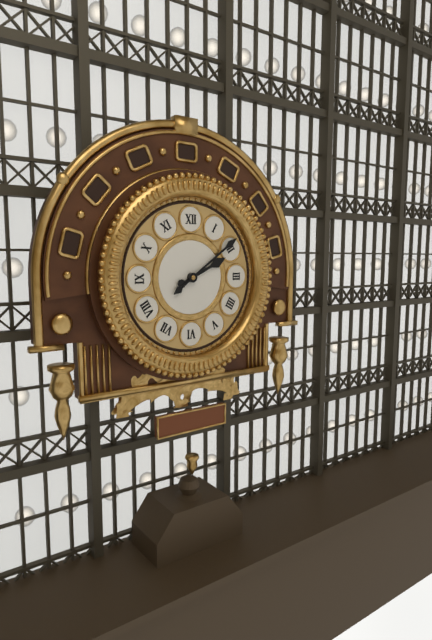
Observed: {"hour": 2, "minute": 9}
